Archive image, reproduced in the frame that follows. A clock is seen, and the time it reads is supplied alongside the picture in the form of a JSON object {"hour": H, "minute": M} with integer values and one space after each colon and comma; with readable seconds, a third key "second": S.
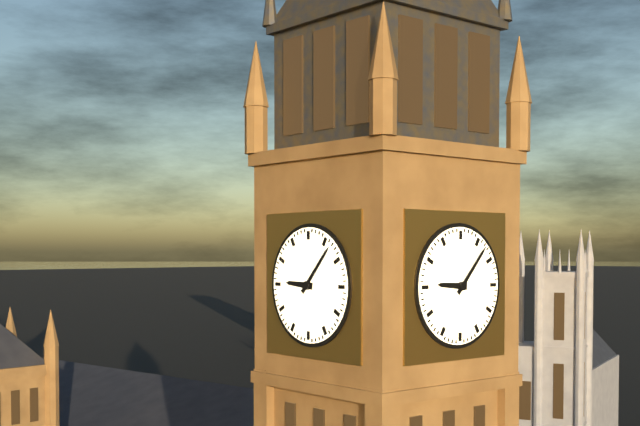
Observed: {"hour": 9, "minute": 7}
